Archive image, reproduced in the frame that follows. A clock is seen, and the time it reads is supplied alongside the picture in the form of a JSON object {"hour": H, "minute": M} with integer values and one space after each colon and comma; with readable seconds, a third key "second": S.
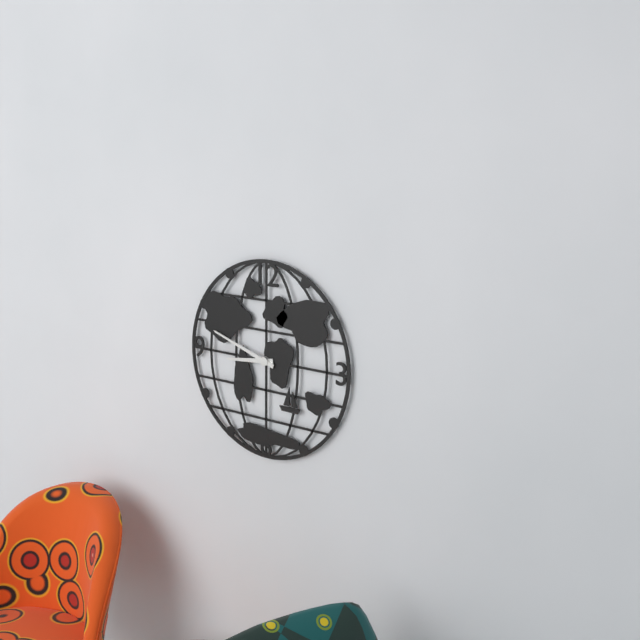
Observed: {"hour": 8, "minute": 48}
